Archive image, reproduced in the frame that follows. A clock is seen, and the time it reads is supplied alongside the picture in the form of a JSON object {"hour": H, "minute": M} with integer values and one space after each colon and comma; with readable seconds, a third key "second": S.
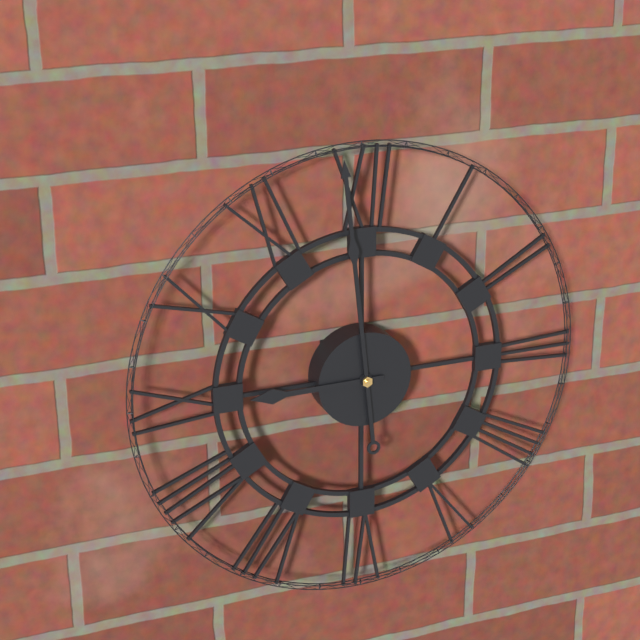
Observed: {"hour": 8, "minute": 59}
